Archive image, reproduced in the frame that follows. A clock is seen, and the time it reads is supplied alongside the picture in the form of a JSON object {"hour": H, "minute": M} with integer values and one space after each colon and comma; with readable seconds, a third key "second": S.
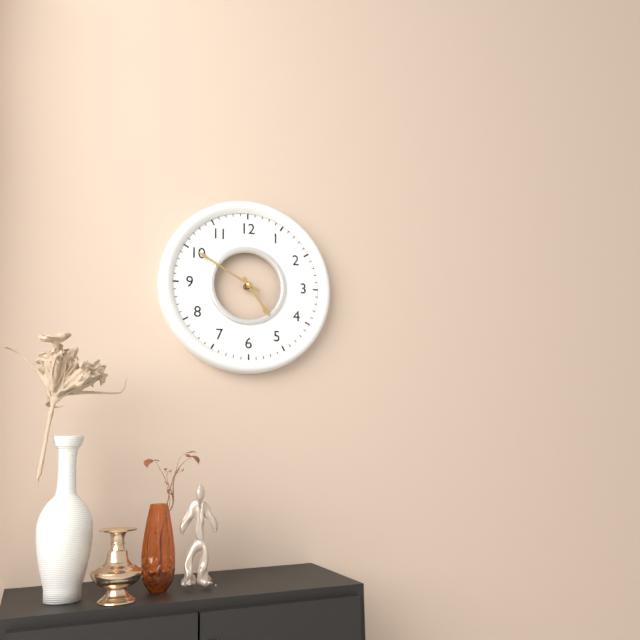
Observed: {"hour": 4, "minute": 50}
